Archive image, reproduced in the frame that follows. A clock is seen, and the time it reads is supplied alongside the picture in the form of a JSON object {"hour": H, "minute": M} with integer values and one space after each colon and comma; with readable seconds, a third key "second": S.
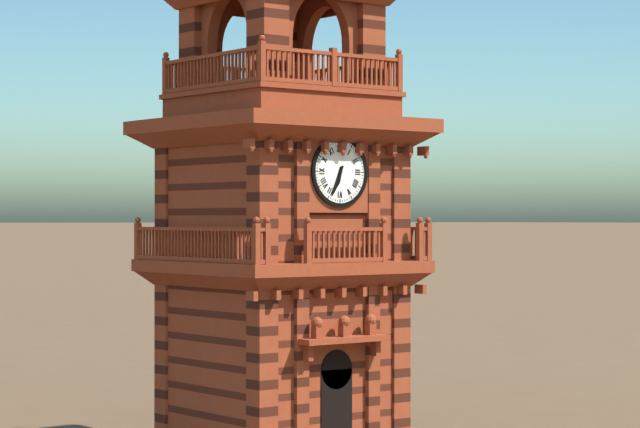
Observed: {"hour": 6, "minute": 34}
